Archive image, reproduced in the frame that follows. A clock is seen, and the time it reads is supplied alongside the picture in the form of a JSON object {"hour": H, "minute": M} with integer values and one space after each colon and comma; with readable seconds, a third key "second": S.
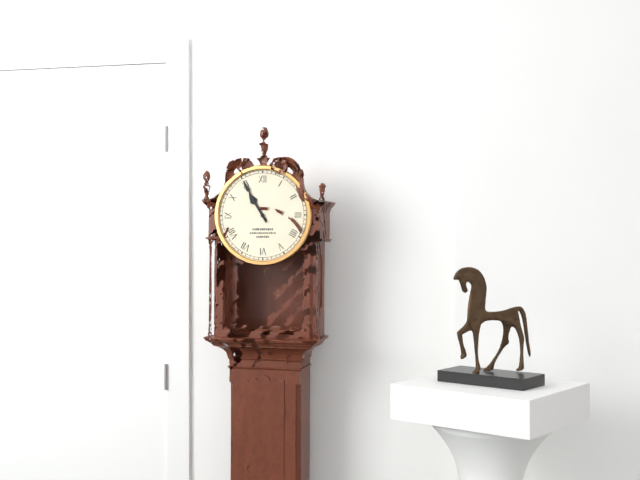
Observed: {"hour": 10, "minute": 55}
